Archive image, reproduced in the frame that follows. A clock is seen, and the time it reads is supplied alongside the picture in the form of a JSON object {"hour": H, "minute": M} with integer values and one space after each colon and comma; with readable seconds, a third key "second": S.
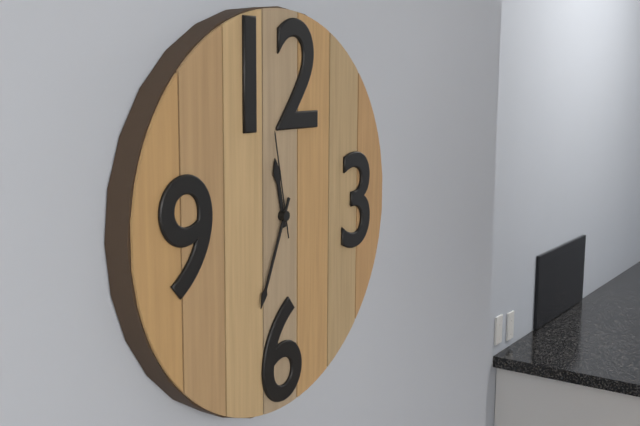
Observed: {"hour": 11, "minute": 34, "second": 58}
